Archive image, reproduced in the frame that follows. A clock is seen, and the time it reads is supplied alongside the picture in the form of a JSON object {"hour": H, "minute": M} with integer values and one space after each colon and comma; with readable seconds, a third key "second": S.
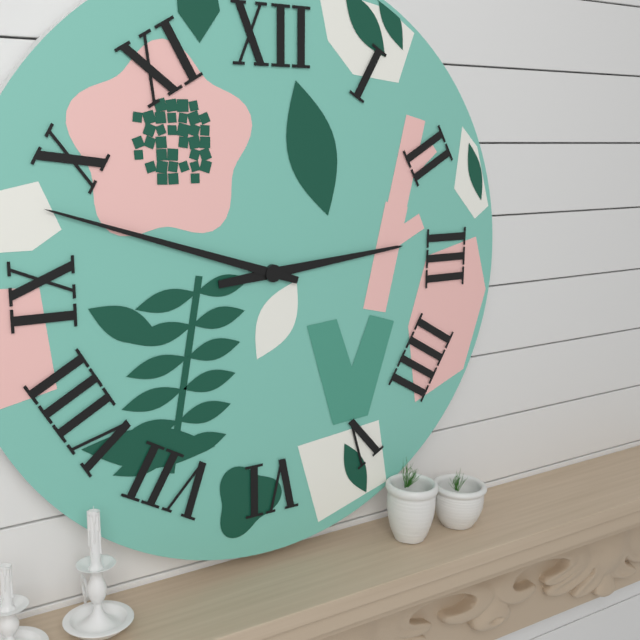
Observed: {"hour": 2, "minute": 48}
